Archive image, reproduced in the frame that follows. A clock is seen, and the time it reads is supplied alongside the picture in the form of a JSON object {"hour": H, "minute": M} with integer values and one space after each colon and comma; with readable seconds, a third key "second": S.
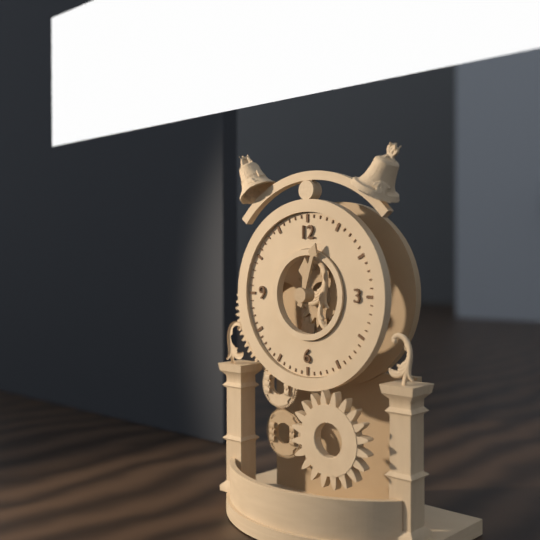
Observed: {"hour": 12, "minute": 3}
